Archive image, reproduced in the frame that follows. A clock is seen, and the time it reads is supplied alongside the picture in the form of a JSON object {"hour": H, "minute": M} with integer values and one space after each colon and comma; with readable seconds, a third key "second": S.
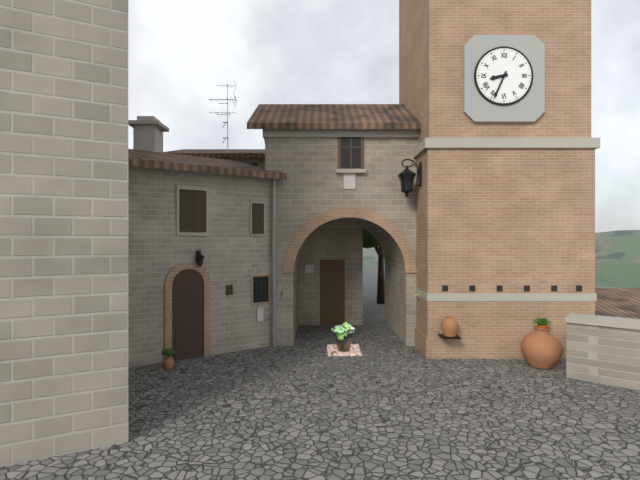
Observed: {"hour": 8, "minute": 34}
